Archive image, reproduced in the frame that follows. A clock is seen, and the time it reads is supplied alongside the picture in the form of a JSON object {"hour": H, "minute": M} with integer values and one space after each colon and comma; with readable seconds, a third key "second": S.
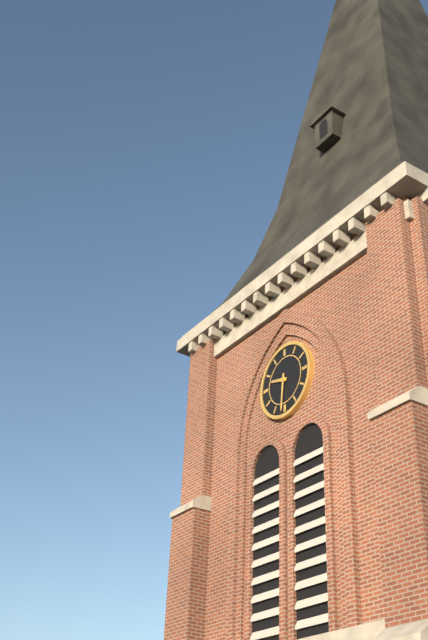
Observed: {"hour": 9, "minute": 31}
